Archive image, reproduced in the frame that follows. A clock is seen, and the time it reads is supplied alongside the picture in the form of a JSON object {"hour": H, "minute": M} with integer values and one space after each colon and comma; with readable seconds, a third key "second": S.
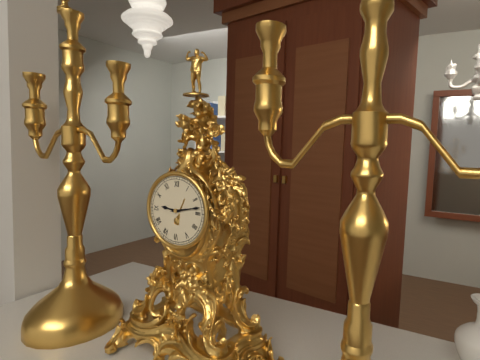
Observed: {"hour": 9, "minute": 13}
